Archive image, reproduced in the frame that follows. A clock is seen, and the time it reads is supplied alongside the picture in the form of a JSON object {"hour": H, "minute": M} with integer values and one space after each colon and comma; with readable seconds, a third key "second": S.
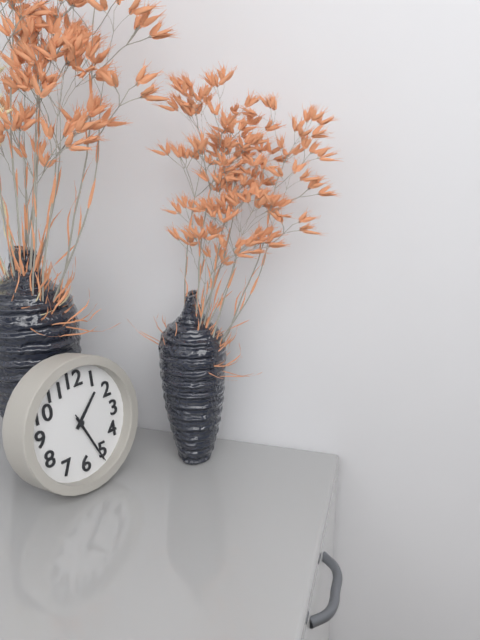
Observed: {"hour": 1, "minute": 26, "second": 26}
